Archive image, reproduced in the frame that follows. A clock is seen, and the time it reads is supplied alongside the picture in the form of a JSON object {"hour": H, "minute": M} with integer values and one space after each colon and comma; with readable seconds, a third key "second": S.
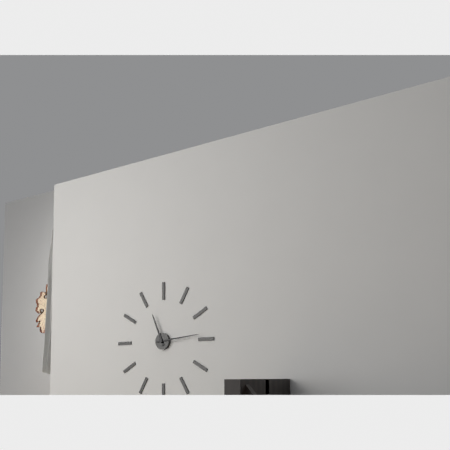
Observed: {"hour": 11, "minute": 14}
